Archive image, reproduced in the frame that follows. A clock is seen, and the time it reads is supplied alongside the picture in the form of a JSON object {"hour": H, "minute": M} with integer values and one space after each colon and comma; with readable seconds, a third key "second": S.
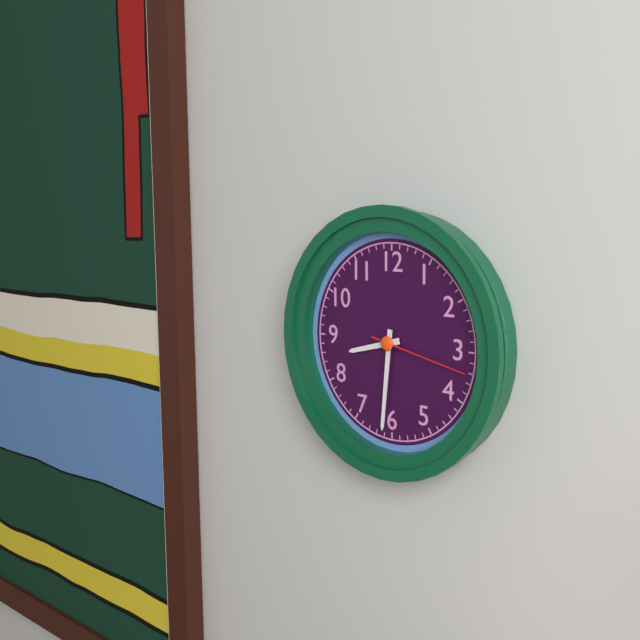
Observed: {"hour": 8, "minute": 31, "second": 17}
